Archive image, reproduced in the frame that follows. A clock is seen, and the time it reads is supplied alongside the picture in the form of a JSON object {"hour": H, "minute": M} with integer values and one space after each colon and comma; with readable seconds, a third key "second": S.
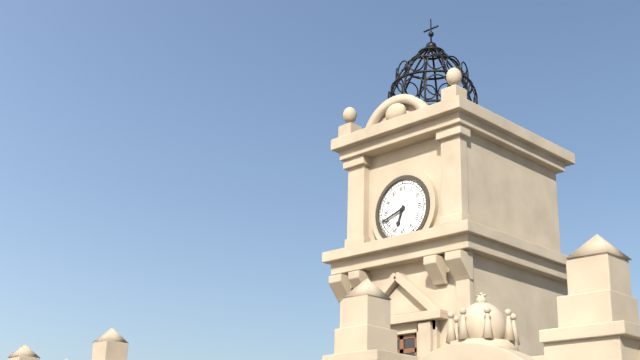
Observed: {"hour": 6, "minute": 42}
